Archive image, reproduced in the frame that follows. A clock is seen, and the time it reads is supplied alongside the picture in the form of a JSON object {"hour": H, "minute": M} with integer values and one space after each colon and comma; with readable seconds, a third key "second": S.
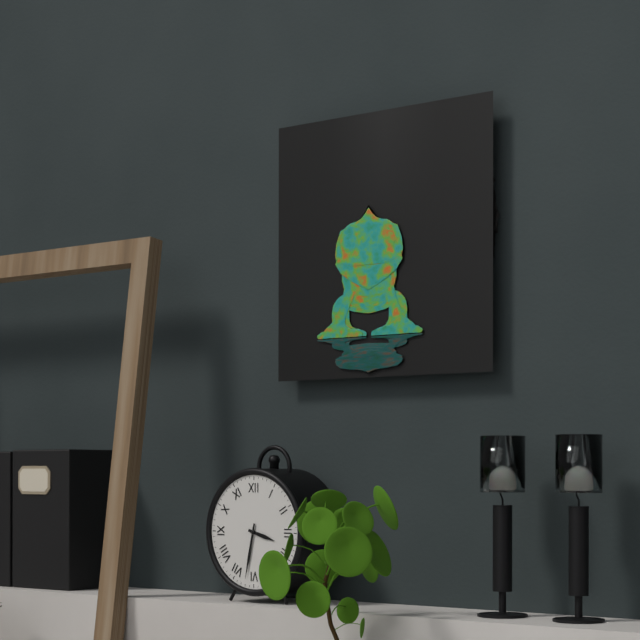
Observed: {"hour": 3, "minute": 32}
